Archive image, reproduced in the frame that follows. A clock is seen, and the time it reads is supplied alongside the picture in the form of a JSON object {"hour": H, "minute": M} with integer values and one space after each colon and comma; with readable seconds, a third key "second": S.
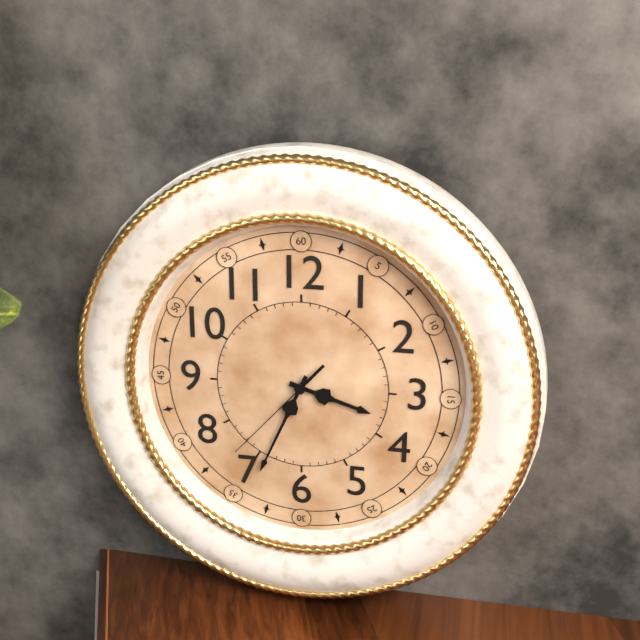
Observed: {"hour": 3, "minute": 34, "second": 37}
